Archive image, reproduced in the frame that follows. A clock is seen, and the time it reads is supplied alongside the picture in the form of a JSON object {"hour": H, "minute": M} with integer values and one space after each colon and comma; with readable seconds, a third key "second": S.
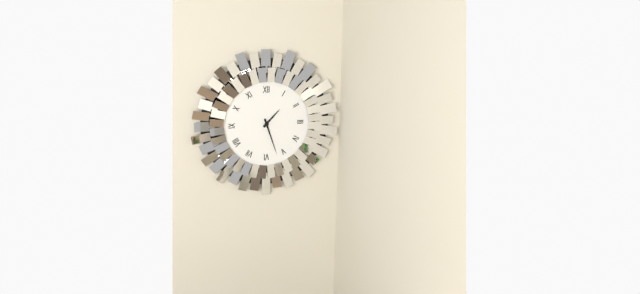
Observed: {"hour": 1, "minute": 27}
